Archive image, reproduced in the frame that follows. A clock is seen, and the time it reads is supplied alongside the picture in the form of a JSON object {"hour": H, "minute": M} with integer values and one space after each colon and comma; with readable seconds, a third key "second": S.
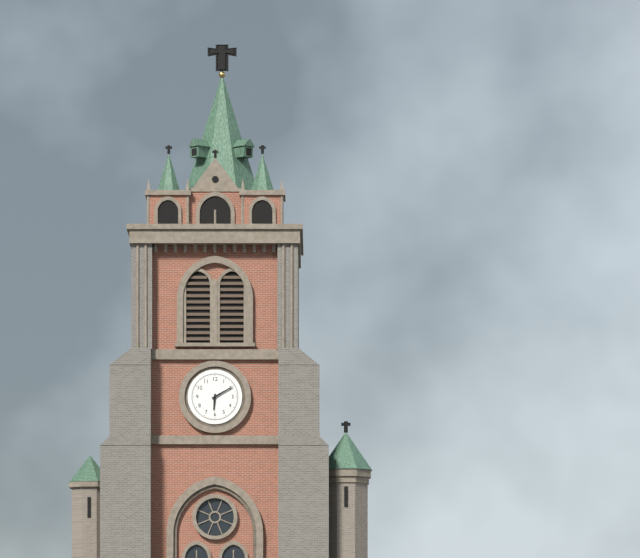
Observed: {"hour": 6, "minute": 10}
